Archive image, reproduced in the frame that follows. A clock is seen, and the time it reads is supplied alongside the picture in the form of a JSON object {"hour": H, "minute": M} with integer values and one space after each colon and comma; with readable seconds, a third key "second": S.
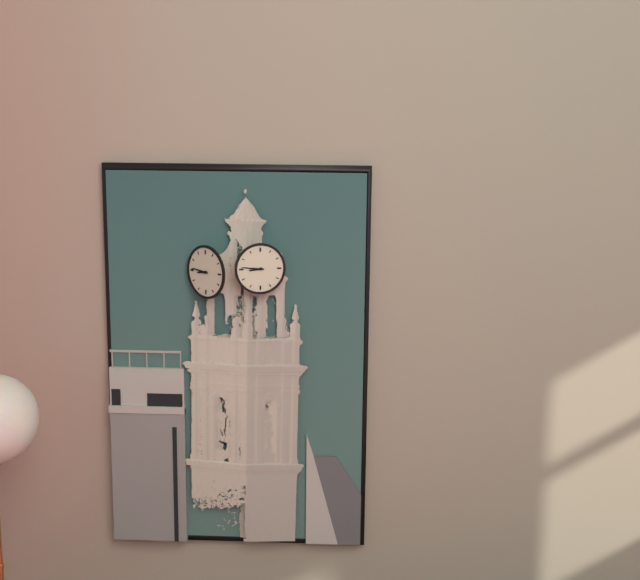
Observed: {"hour": 8, "minute": 46}
